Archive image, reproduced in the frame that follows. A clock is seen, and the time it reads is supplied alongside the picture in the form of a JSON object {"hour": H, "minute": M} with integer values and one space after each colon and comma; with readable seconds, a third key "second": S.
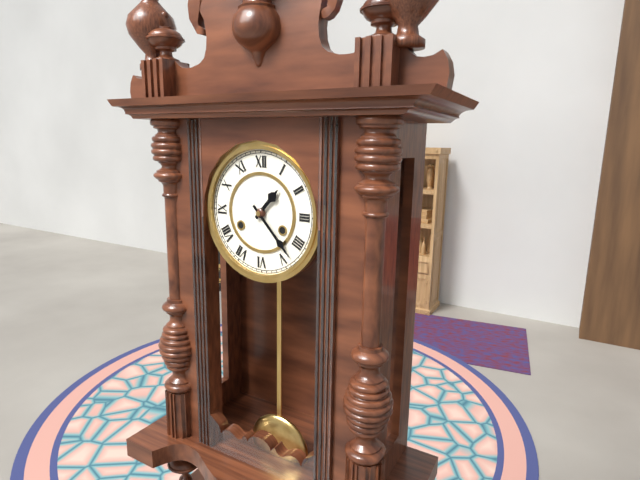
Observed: {"hour": 1, "minute": 23}
